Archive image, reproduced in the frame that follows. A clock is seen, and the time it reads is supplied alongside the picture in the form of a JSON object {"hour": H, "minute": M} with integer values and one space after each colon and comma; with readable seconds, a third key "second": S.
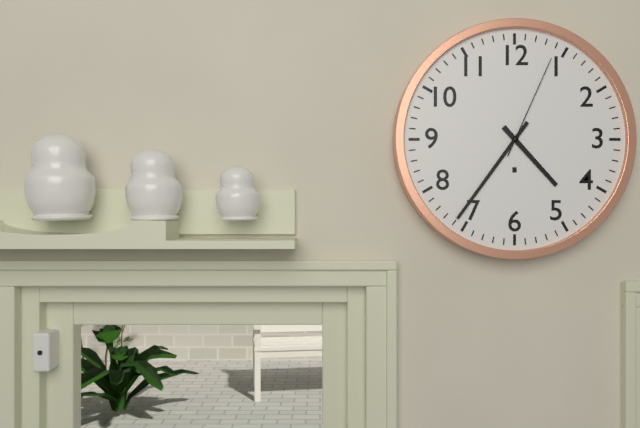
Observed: {"hour": 4, "minute": 36, "second": 4}
